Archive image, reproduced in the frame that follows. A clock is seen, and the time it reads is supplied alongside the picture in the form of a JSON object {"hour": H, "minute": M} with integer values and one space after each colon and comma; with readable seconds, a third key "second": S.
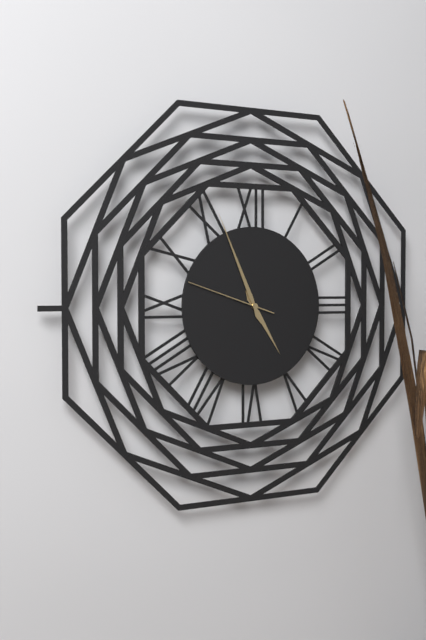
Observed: {"hour": 4, "minute": 56, "second": 48}
